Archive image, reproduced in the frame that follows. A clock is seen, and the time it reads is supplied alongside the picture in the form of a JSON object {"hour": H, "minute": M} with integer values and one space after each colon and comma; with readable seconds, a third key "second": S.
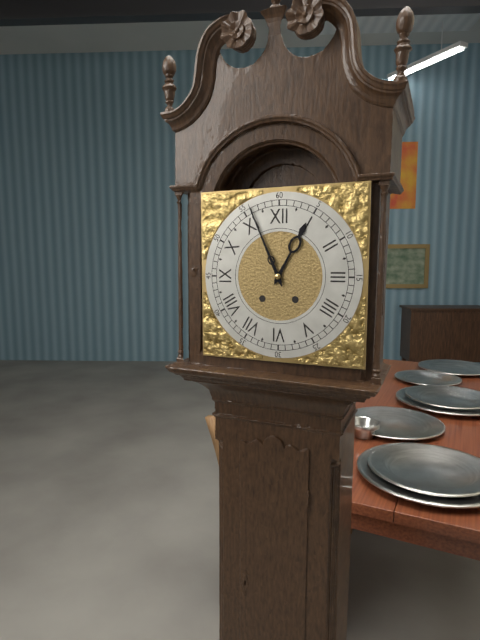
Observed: {"hour": 12, "minute": 56}
